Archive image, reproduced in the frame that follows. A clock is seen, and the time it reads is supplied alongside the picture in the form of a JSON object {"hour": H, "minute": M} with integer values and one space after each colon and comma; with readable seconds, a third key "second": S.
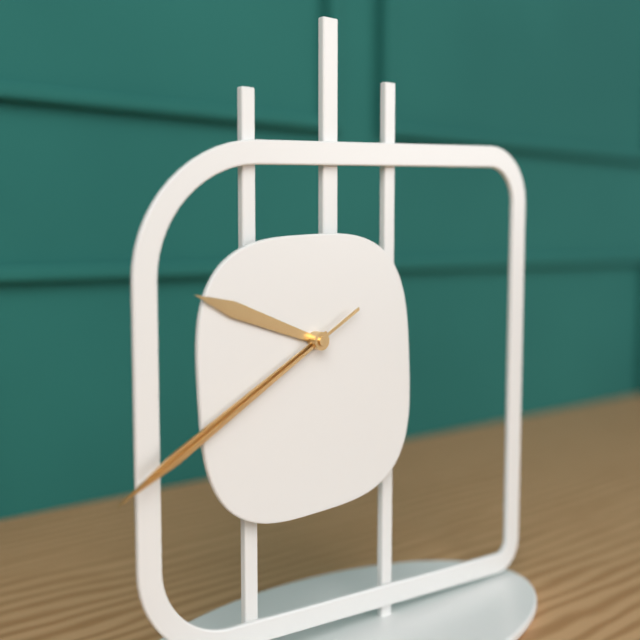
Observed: {"hour": 9, "minute": 40, "second": 40}
